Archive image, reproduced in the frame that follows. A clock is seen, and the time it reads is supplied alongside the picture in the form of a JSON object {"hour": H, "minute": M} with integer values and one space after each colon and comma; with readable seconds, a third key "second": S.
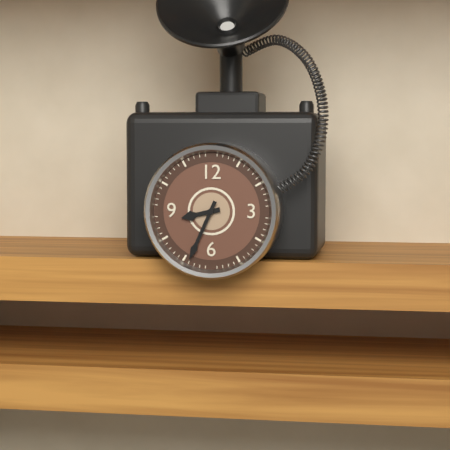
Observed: {"hour": 8, "minute": 34}
